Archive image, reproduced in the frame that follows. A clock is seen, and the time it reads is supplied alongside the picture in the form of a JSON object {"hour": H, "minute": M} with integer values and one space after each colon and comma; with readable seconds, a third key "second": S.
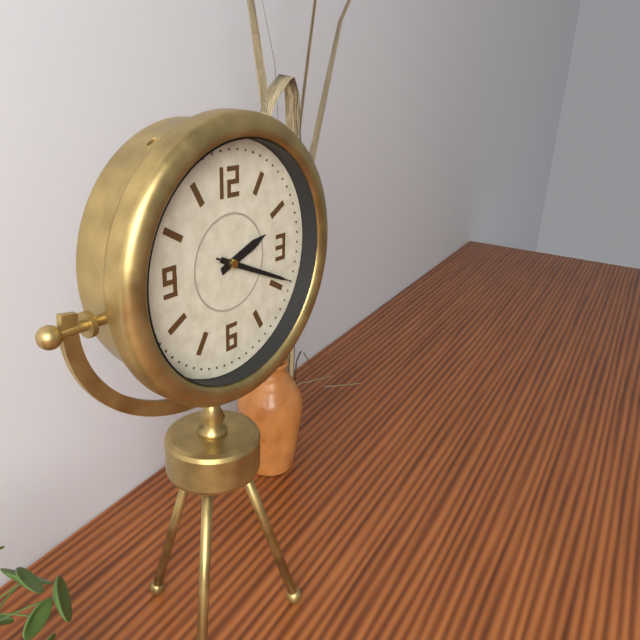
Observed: {"hour": 2, "minute": 19, "second": 19}
